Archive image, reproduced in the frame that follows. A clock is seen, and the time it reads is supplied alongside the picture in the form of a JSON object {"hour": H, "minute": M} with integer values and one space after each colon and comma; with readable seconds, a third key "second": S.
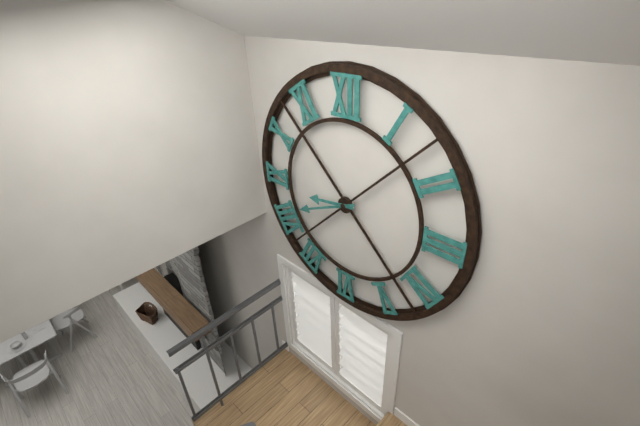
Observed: {"hour": 8, "minute": 41}
